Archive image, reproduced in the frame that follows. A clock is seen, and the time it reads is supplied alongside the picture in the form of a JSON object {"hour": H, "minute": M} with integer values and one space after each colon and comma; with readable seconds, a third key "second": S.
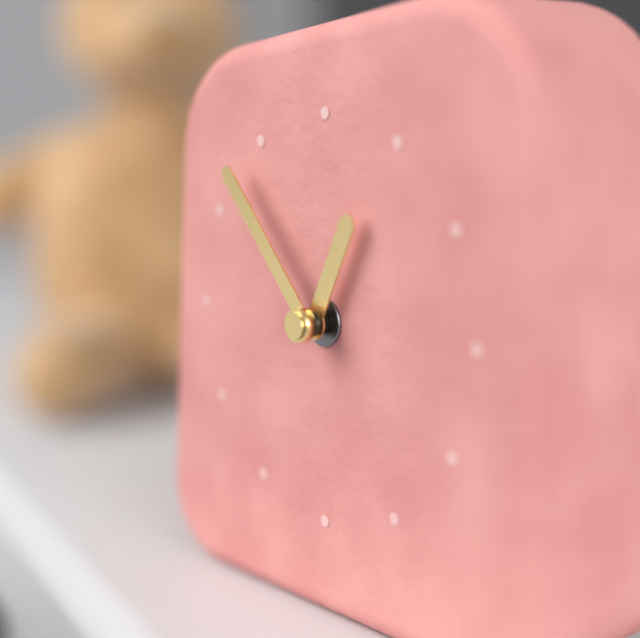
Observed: {"hour": 12, "minute": 53}
